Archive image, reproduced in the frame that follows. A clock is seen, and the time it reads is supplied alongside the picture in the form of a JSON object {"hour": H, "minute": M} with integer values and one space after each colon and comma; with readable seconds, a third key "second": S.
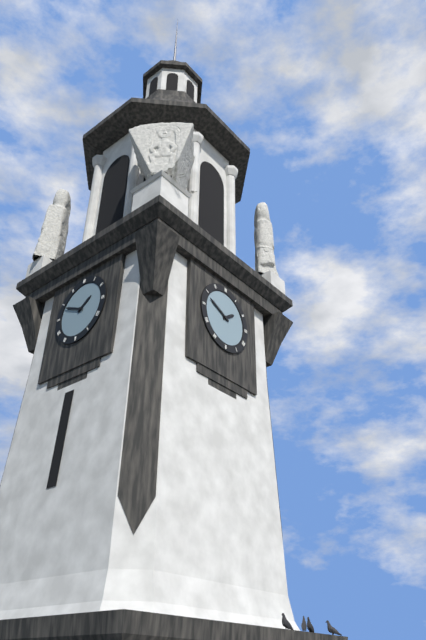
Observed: {"hour": 1, "minute": 49}
